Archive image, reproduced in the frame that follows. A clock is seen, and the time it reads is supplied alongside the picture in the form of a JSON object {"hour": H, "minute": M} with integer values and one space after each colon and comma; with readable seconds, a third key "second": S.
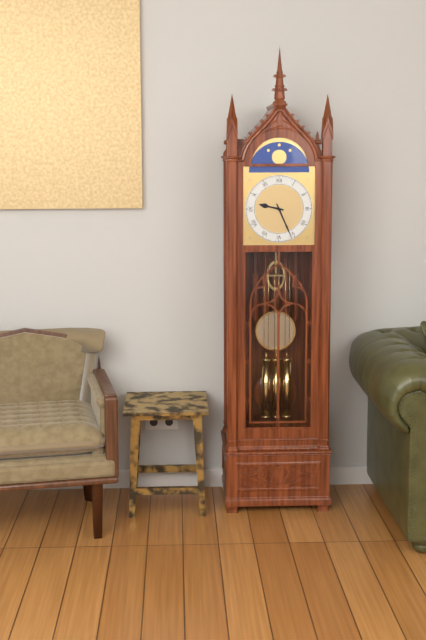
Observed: {"hour": 9, "minute": 26}
